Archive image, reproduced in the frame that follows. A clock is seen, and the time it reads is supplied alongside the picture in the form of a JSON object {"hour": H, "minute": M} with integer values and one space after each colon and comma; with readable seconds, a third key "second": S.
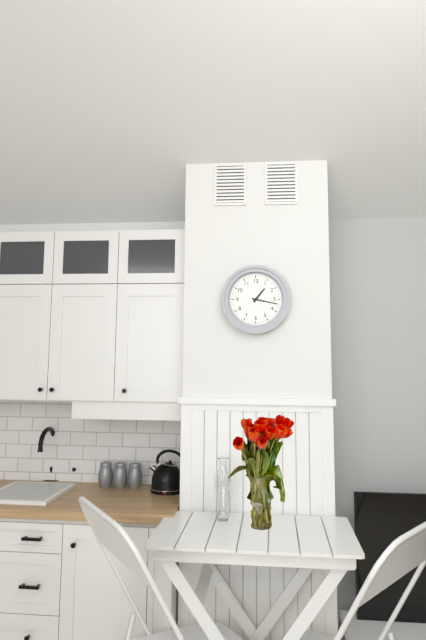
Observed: {"hour": 1, "minute": 17}
